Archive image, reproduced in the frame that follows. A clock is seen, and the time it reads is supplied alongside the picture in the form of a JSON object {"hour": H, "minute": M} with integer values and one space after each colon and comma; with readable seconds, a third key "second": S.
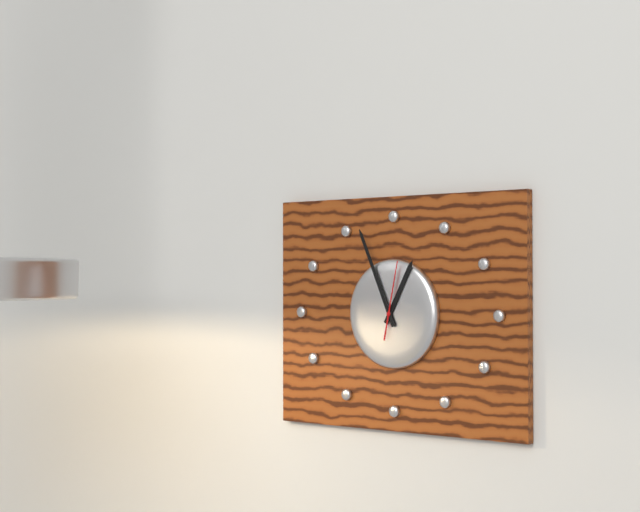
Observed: {"hour": 12, "minute": 56, "second": 2}
